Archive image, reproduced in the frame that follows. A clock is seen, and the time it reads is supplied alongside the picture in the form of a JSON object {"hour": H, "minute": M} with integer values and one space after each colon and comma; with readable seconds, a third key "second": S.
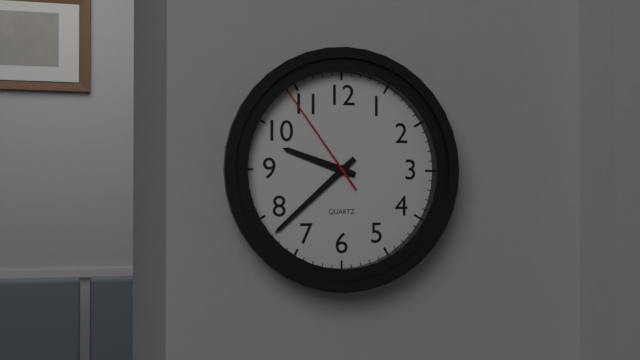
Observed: {"hour": 9, "minute": 38, "second": 54}
